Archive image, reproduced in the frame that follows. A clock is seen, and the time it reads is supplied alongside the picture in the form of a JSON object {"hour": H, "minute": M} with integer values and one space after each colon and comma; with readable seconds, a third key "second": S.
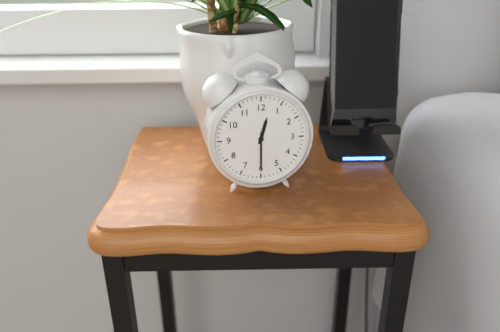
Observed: {"hour": 12, "minute": 30}
